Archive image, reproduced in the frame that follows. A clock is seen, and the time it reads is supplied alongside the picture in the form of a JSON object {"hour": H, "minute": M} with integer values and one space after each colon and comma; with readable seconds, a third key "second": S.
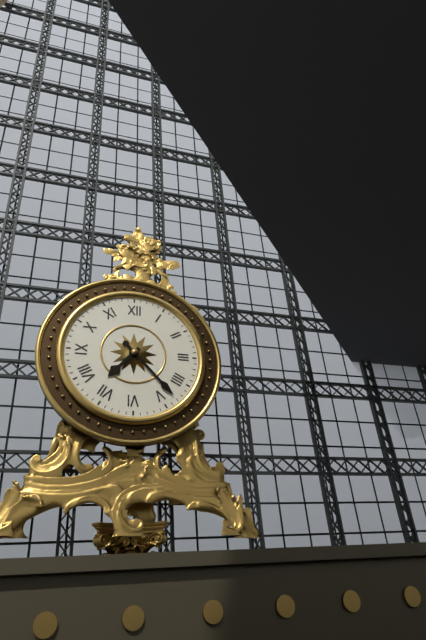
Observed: {"hour": 7, "minute": 23}
